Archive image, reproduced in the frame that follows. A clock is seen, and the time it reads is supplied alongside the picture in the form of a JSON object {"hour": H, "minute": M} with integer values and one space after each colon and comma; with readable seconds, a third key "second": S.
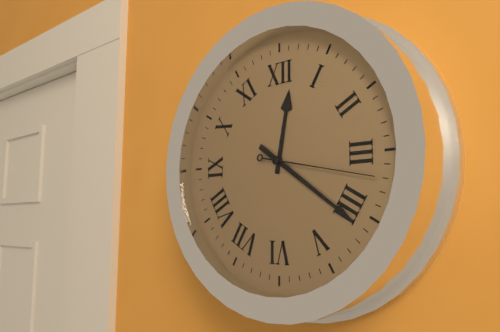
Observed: {"hour": 12, "minute": 21, "second": 17}
